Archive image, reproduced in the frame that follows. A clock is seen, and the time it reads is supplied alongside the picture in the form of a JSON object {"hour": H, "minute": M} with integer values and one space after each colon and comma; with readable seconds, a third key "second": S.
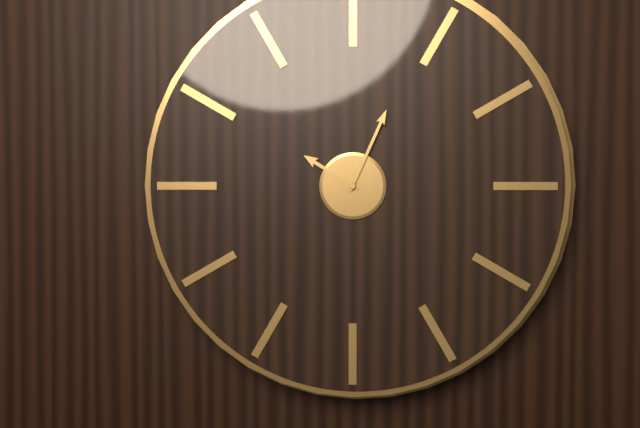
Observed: {"hour": 10, "minute": 4}
